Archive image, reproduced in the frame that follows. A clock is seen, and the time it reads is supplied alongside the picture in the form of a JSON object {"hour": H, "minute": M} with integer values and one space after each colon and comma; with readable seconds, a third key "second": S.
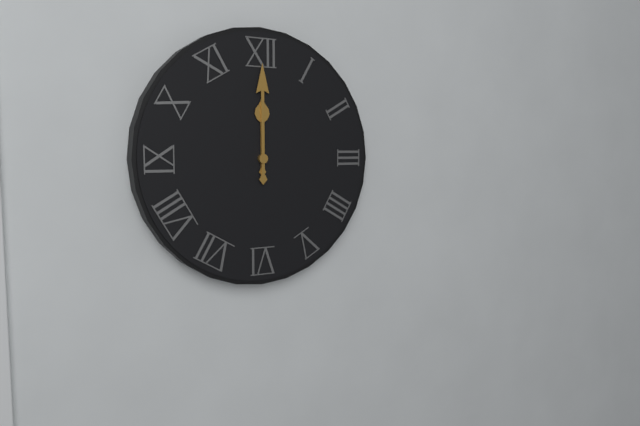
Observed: {"hour": 12, "minute": 0}
